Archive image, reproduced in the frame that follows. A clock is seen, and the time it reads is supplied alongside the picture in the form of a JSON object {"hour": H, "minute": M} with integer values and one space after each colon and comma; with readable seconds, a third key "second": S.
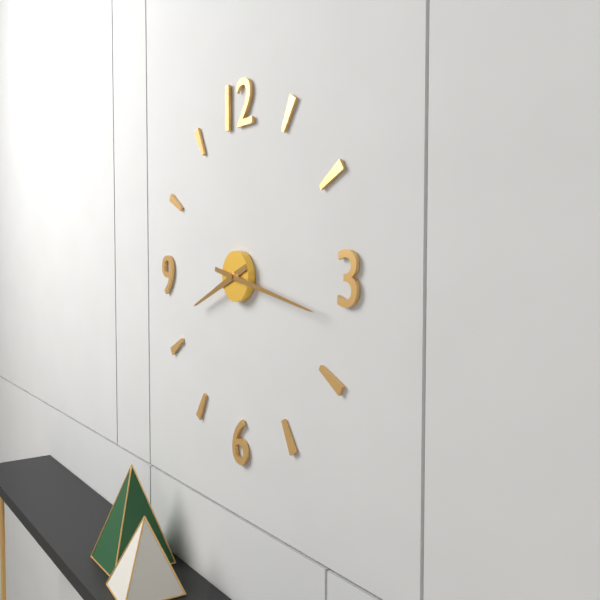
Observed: {"hour": 8, "minute": 17}
